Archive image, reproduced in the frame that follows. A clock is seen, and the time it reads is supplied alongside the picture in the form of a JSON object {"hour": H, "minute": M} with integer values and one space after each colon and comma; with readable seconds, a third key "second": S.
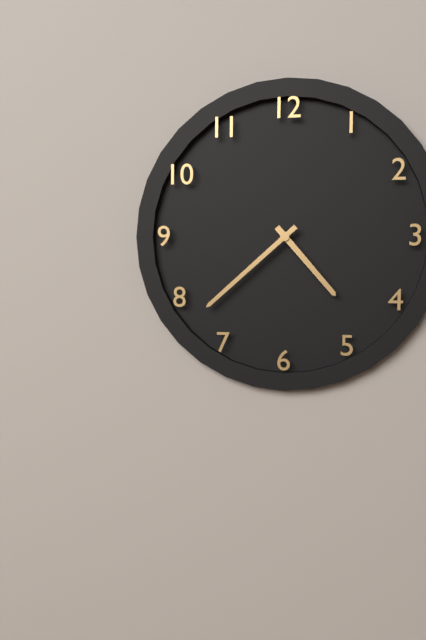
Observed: {"hour": 4, "minute": 38}
